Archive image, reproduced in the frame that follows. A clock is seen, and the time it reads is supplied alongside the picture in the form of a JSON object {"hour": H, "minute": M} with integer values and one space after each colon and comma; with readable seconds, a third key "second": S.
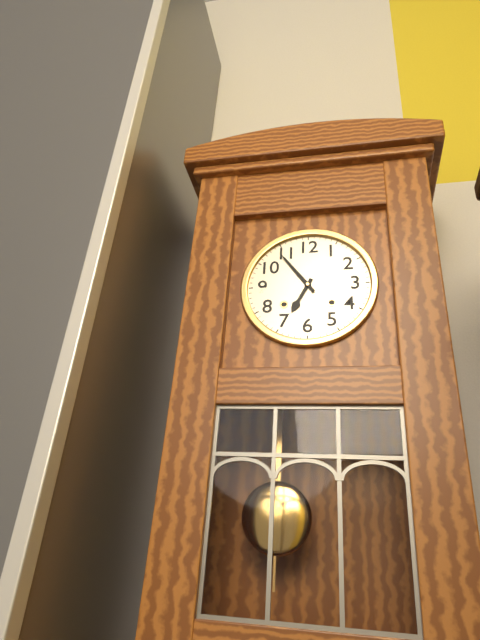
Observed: {"hour": 6, "minute": 54}
